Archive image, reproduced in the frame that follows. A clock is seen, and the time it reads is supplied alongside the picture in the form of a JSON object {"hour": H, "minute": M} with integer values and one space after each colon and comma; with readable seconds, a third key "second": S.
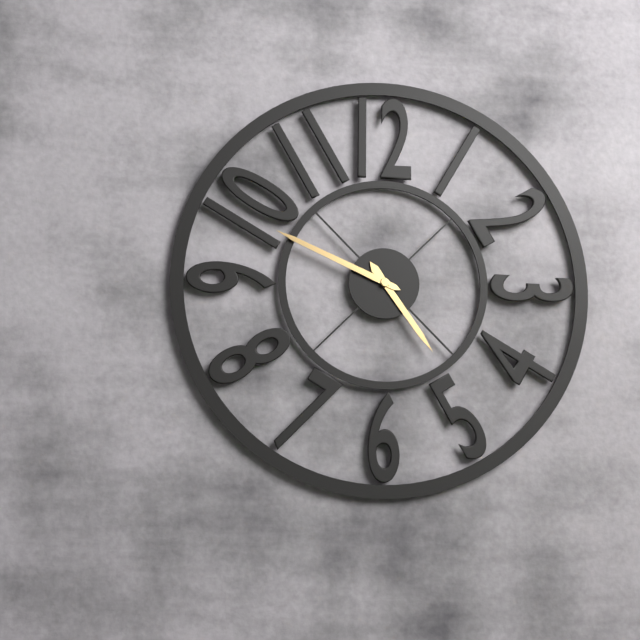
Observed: {"hour": 4, "minute": 49}
